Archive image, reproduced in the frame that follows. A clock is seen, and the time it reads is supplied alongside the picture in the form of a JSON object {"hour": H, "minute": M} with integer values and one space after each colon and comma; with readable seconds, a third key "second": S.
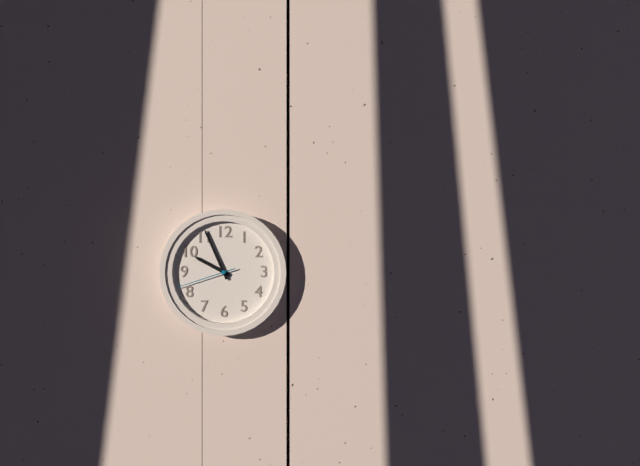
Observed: {"hour": 9, "minute": 56, "second": 42}
